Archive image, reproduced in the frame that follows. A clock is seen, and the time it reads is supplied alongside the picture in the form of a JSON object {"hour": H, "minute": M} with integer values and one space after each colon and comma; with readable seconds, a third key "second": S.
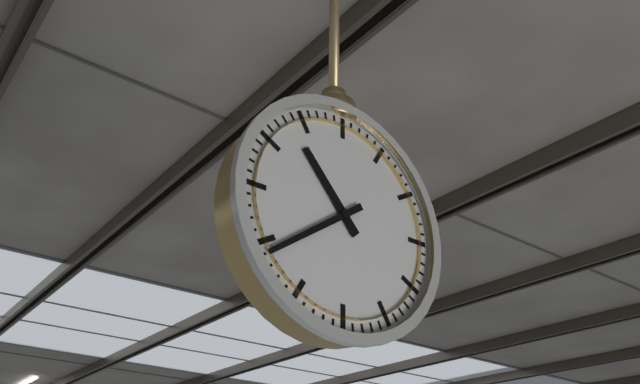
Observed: {"hour": 10, "minute": 39}
